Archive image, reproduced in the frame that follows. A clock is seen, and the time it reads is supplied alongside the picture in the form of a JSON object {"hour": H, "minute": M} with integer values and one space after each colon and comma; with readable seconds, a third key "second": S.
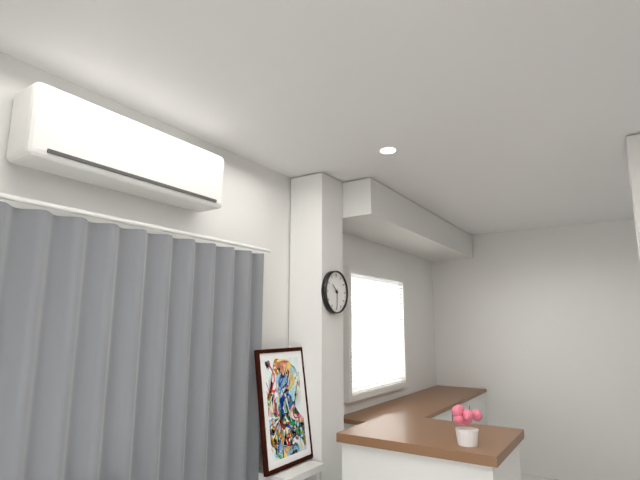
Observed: {"hour": 10, "minute": 30}
